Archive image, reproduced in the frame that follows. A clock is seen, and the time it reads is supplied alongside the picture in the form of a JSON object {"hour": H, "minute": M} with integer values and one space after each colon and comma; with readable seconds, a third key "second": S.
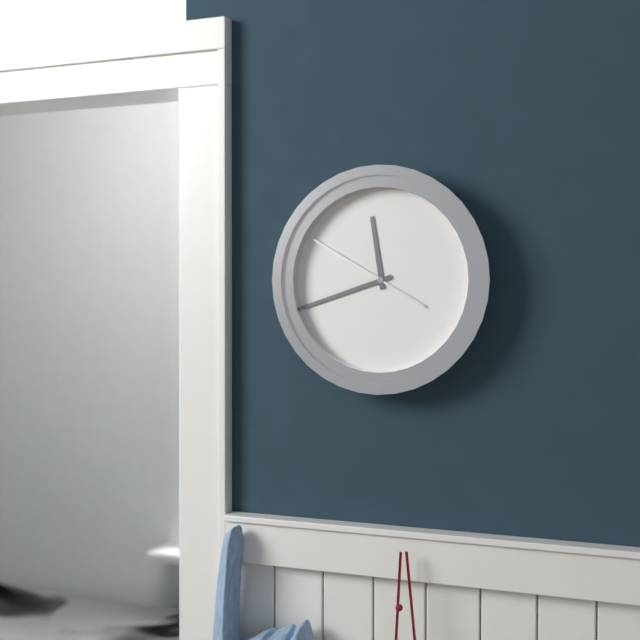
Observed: {"hour": 11, "minute": 42, "second": 50}
